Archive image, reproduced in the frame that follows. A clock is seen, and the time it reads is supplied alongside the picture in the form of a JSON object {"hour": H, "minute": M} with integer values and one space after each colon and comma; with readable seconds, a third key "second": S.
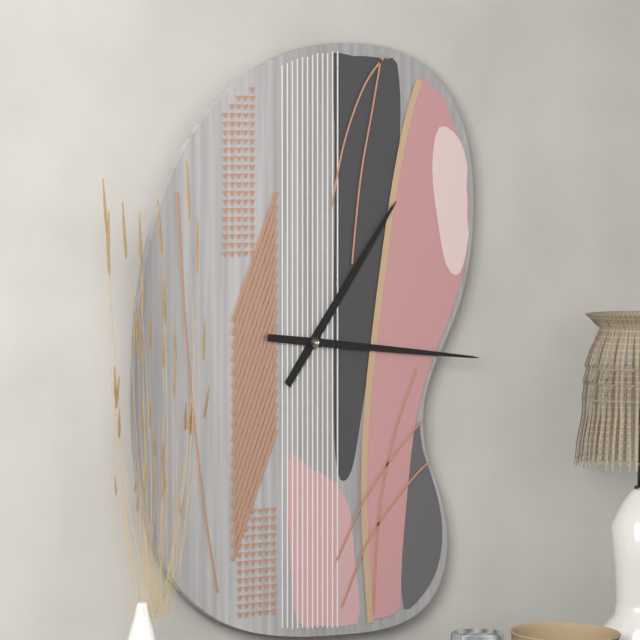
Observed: {"hour": 1, "minute": 16}
